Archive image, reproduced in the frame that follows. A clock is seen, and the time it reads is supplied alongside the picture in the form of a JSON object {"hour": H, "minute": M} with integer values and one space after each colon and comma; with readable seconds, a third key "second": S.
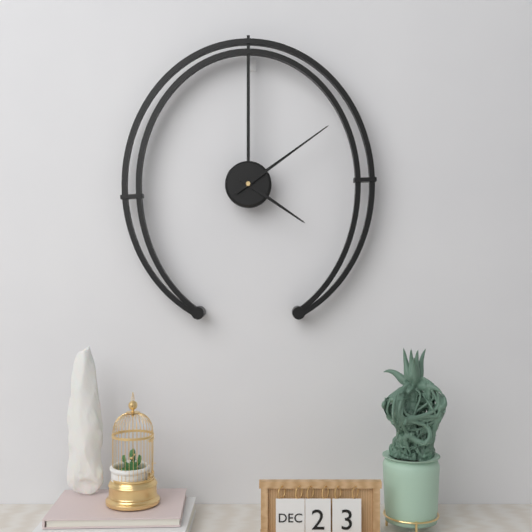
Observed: {"hour": 4, "minute": 9}
